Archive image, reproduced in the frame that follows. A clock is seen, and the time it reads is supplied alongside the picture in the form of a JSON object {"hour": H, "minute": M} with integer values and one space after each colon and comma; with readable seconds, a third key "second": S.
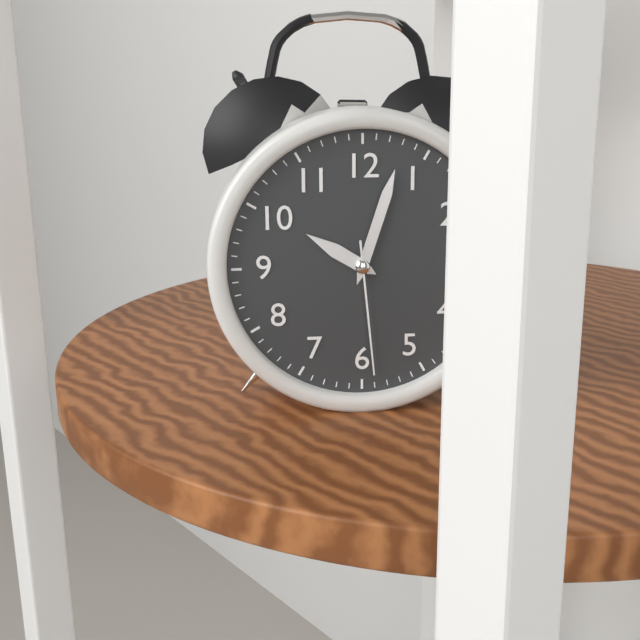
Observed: {"hour": 10, "minute": 3, "second": 29}
